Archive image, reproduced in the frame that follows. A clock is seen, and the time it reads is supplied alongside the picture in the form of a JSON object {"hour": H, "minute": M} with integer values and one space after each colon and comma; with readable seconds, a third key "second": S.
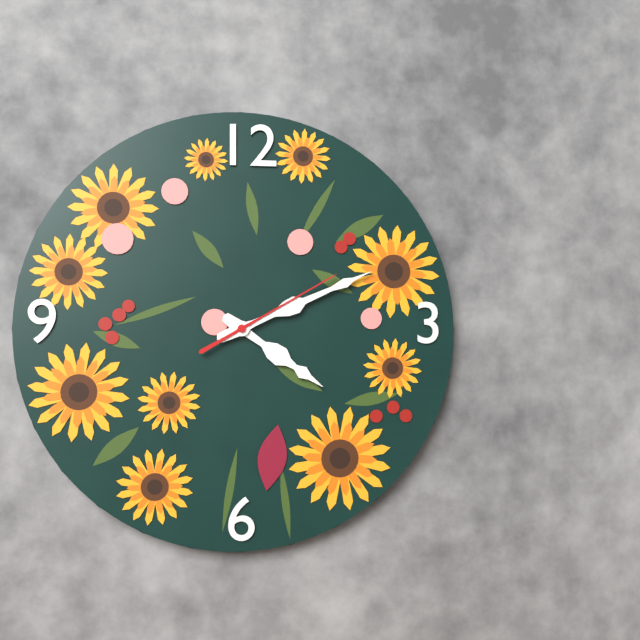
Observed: {"hour": 4, "minute": 11, "second": 10}
